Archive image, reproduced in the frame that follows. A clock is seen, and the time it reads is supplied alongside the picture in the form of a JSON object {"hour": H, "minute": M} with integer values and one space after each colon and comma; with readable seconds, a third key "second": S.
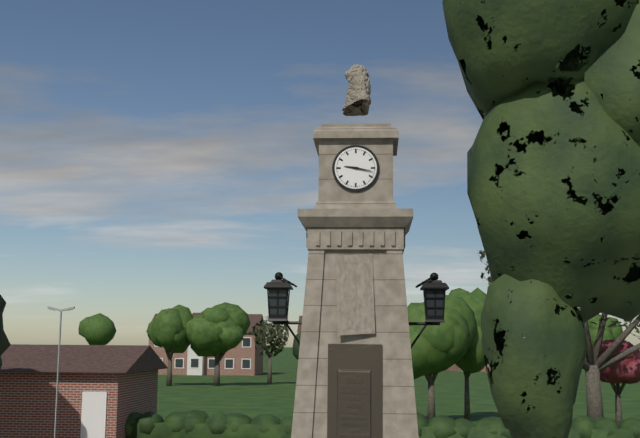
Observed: {"hour": 9, "minute": 17}
